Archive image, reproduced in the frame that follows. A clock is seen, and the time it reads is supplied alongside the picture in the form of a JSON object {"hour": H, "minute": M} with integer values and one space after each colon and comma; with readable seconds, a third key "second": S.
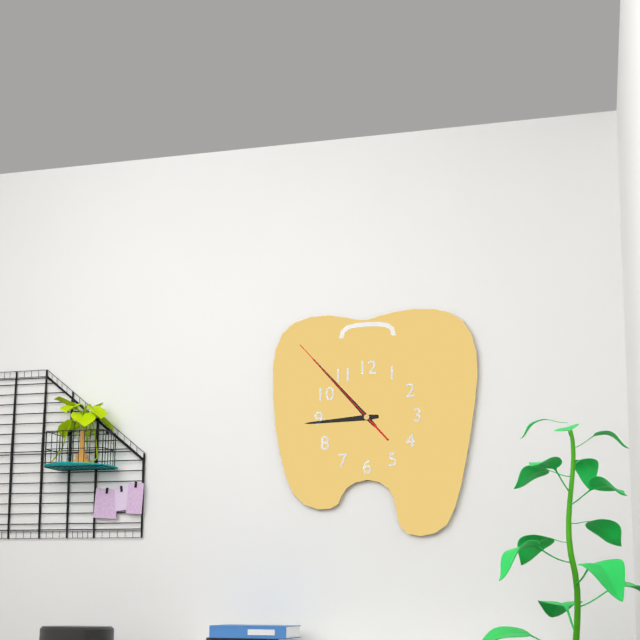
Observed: {"hour": 8, "minute": 53, "second": 53}
